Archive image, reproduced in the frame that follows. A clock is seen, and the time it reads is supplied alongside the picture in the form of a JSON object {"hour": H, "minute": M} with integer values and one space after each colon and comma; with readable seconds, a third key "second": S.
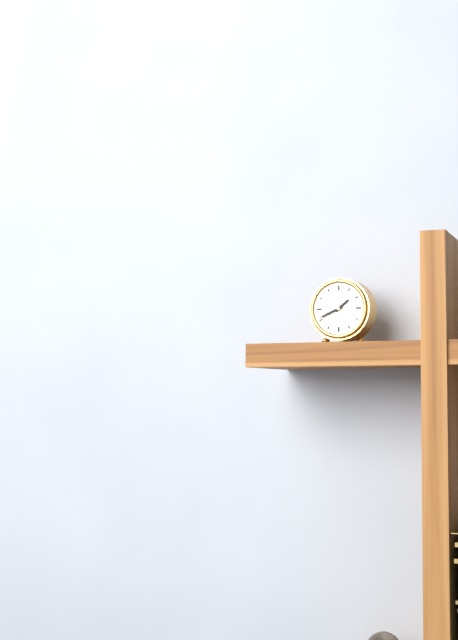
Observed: {"hour": 1, "minute": 41}
